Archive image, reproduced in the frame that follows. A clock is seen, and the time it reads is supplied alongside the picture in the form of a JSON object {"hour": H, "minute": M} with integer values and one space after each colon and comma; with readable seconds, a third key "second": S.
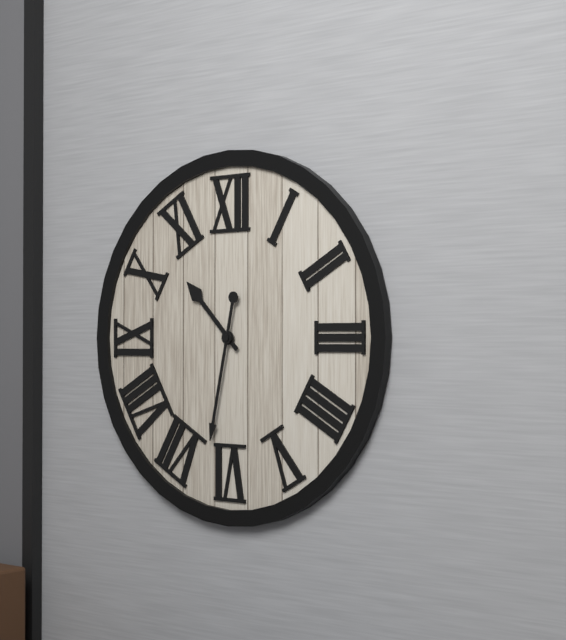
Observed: {"hour": 10, "minute": 32}
